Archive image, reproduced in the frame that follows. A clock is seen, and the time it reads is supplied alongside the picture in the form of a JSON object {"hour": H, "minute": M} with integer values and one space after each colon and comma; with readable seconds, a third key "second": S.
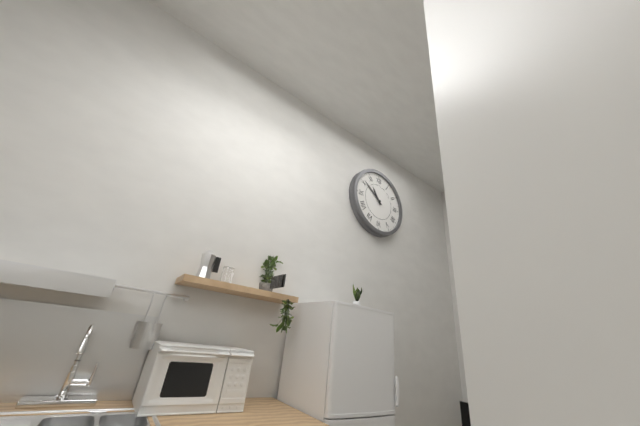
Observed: {"hour": 10, "minute": 51}
